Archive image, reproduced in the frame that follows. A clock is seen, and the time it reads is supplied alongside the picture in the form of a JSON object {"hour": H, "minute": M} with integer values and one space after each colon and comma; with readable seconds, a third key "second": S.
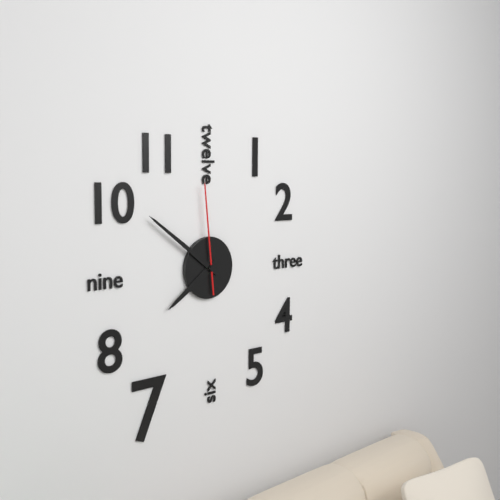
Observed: {"hour": 7, "minute": 51, "second": 59}
